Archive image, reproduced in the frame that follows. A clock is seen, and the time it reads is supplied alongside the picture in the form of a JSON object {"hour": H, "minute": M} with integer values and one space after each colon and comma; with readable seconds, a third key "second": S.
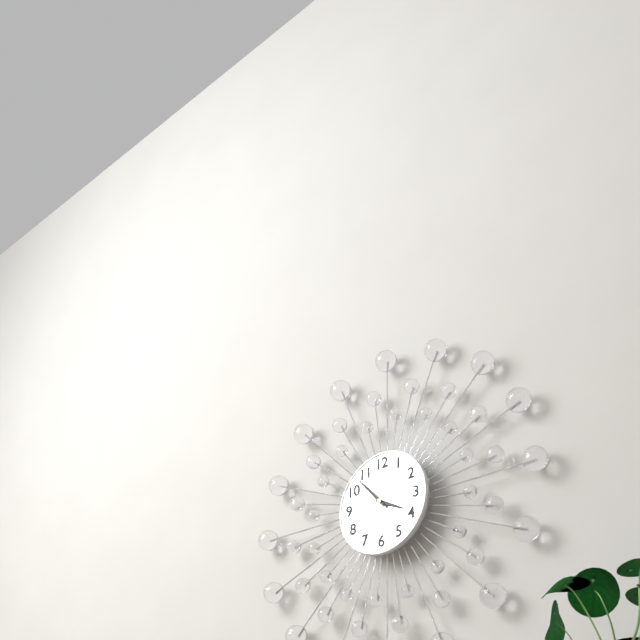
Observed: {"hour": 3, "minute": 53}
